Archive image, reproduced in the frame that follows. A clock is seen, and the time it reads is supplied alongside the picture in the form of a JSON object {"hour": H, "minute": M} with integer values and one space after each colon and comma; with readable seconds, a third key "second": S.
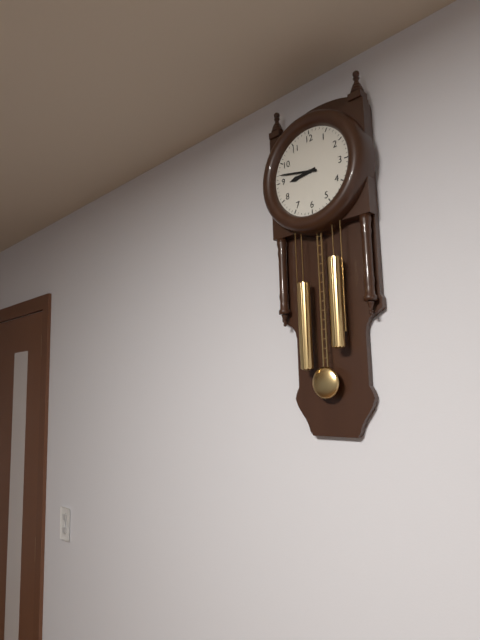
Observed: {"hour": 8, "minute": 47}
